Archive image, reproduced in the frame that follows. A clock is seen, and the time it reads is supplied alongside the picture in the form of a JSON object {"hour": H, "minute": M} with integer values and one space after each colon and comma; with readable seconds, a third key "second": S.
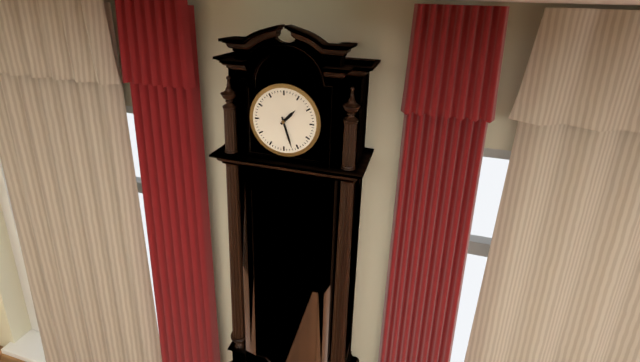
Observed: {"hour": 1, "minute": 27}
